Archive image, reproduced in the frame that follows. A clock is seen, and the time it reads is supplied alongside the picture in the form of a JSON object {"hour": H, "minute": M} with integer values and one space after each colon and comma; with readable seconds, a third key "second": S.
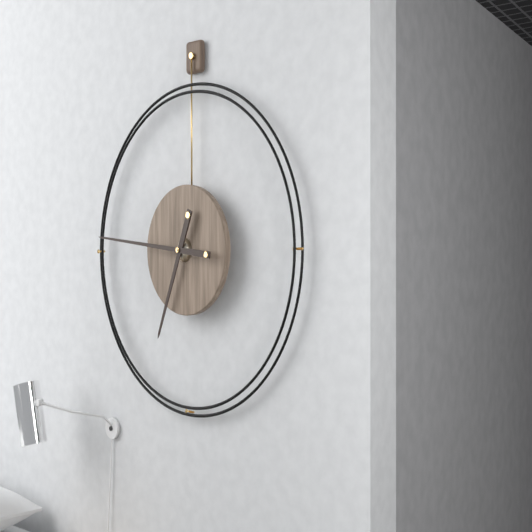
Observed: {"hour": 6, "minute": 46}
